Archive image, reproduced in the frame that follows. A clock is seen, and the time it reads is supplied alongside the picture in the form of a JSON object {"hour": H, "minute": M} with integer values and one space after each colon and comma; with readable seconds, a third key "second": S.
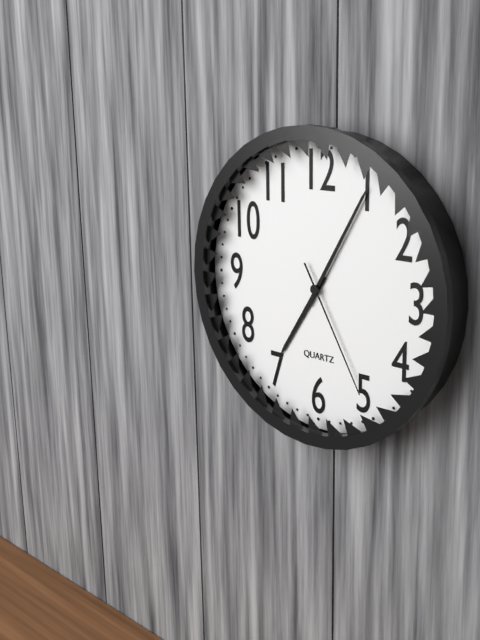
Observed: {"hour": 7, "minute": 5, "second": 25}
